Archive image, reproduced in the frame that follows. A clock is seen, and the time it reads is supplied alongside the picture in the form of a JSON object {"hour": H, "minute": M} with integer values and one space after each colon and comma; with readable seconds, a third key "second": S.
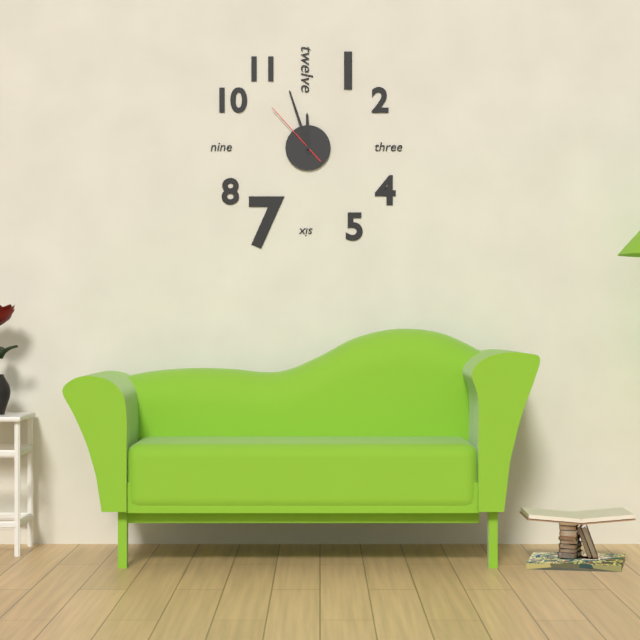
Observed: {"hour": 11, "minute": 57, "second": 53}
